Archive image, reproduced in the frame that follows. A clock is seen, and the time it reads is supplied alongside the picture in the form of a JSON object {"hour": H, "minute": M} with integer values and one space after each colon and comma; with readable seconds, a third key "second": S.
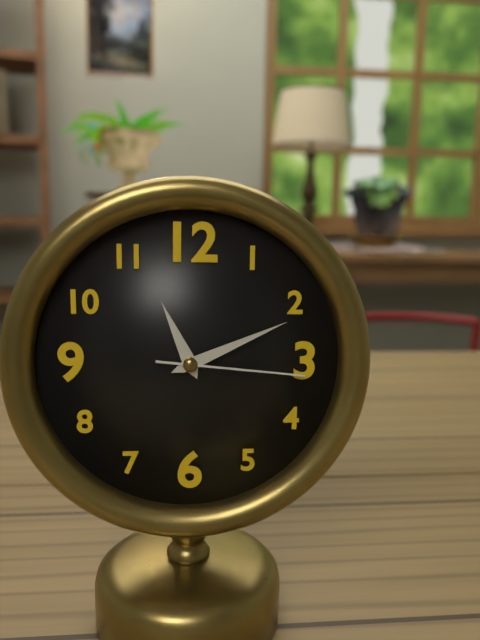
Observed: {"hour": 11, "minute": 11, "second": 16}
